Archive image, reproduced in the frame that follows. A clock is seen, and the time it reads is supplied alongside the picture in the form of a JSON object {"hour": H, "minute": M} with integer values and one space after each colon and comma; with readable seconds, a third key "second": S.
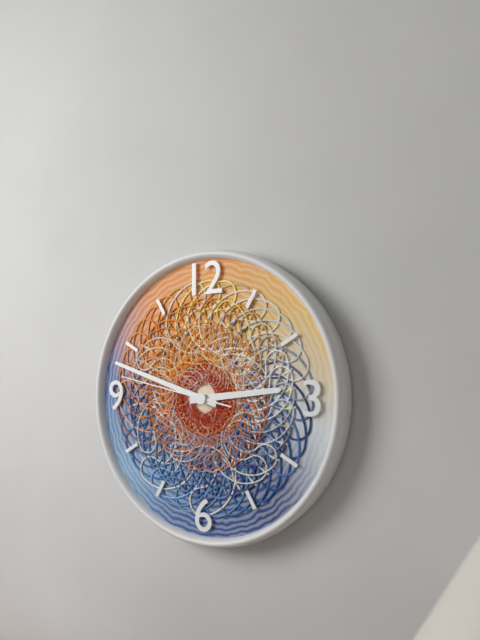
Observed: {"hour": 2, "minute": 48, "second": 47}
